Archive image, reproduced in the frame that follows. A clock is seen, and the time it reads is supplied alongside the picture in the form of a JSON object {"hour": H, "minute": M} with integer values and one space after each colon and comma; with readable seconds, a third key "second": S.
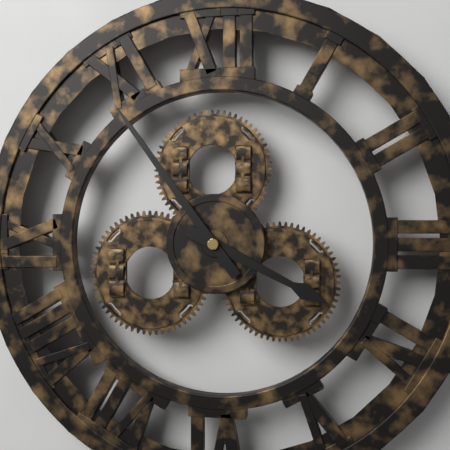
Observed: {"hour": 3, "minute": 54}
